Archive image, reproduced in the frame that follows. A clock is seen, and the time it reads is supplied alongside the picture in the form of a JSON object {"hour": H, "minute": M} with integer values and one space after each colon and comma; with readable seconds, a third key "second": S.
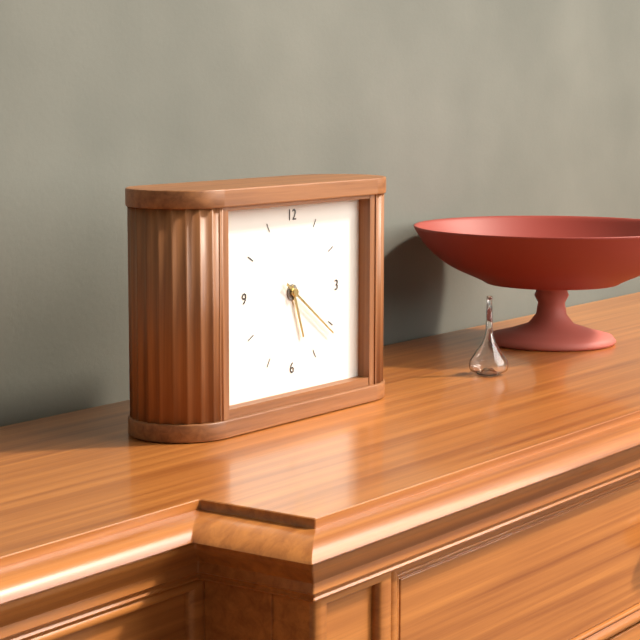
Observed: {"hour": 5, "minute": 21}
